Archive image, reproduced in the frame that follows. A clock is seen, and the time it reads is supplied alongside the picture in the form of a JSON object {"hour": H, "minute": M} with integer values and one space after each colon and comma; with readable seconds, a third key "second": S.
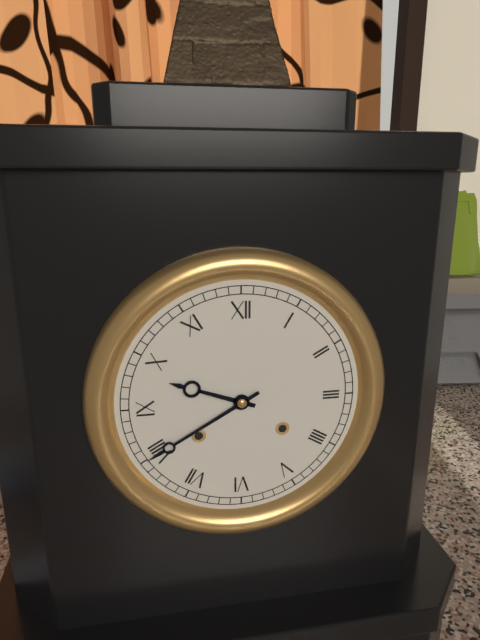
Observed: {"hour": 9, "minute": 40}
